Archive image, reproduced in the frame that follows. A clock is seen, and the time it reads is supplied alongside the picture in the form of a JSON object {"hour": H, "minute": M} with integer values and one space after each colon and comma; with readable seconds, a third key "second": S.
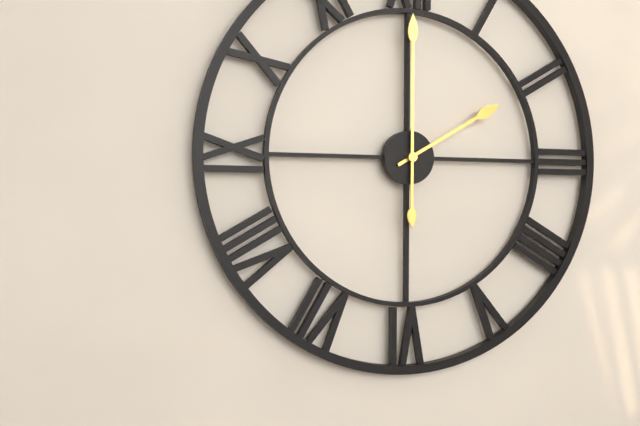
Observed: {"hour": 2, "minute": 0}
